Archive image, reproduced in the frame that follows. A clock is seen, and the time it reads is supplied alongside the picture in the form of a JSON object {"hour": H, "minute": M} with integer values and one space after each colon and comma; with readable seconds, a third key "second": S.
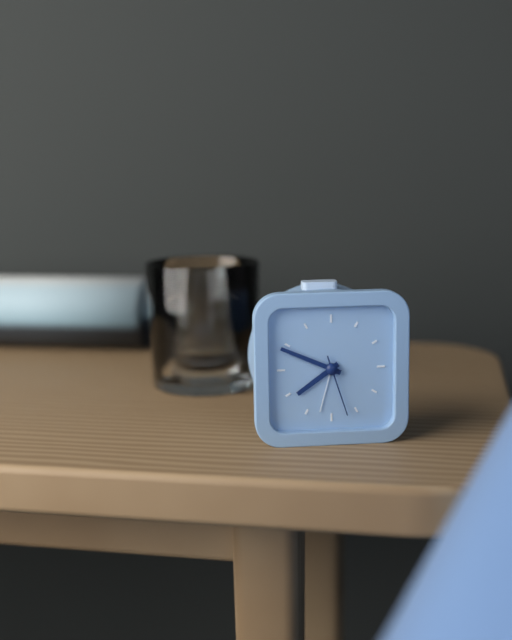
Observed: {"hour": 7, "minute": 49, "second": 27}
